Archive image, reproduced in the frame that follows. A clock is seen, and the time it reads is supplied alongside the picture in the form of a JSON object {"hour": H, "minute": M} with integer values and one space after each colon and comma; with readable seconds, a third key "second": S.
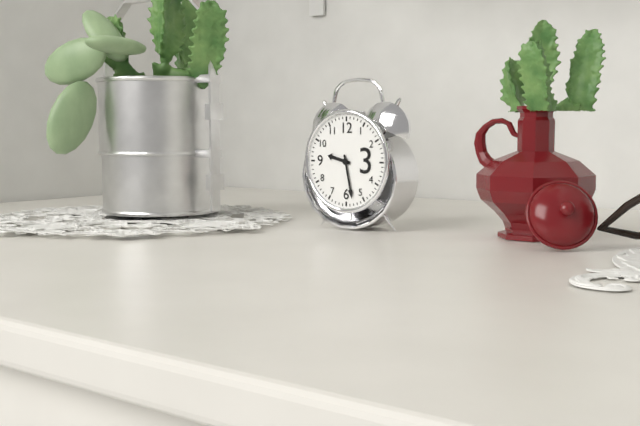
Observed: {"hour": 9, "minute": 28}
